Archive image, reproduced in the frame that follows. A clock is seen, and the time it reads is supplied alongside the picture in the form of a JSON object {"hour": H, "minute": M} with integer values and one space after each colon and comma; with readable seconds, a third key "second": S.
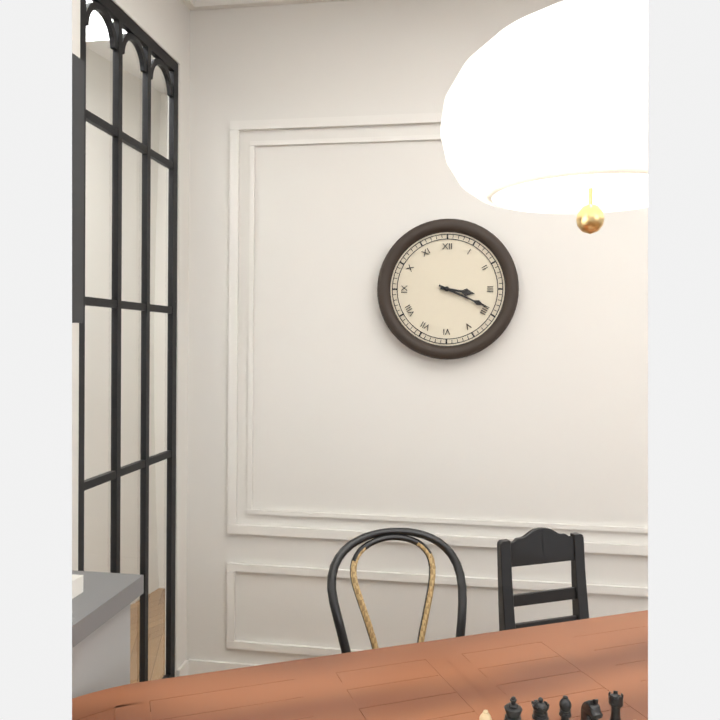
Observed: {"hour": 3, "minute": 19}
